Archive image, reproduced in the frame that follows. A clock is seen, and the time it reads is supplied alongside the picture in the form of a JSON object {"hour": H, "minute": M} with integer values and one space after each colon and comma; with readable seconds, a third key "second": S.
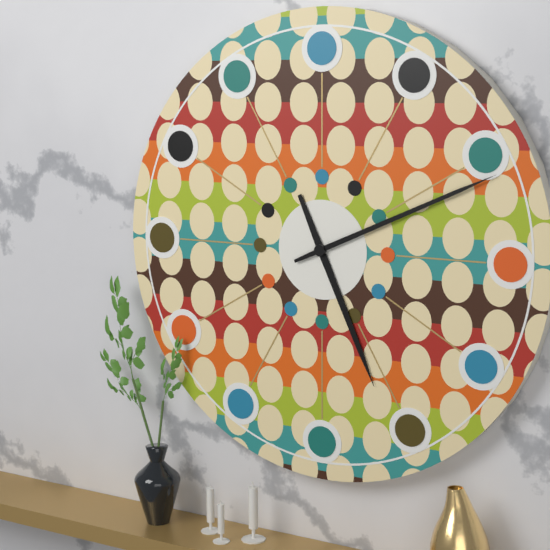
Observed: {"hour": 5, "minute": 11}
